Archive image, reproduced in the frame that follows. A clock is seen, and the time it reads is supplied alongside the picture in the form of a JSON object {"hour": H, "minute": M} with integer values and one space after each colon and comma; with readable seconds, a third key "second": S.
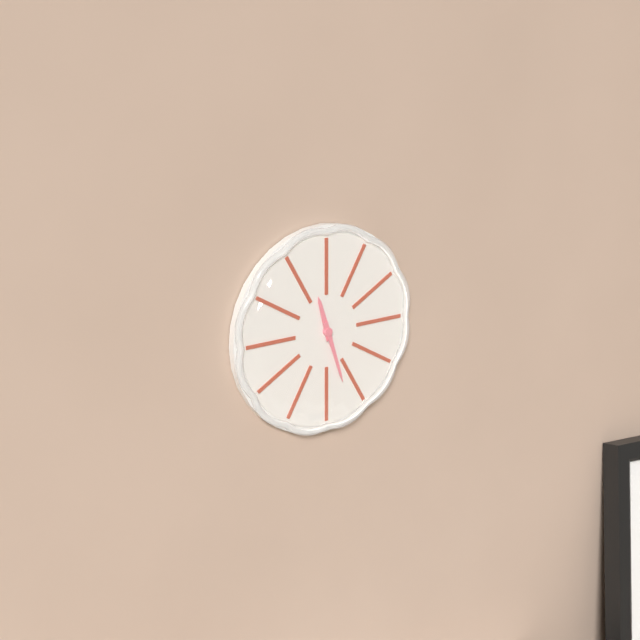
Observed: {"hour": 11, "minute": 27}
